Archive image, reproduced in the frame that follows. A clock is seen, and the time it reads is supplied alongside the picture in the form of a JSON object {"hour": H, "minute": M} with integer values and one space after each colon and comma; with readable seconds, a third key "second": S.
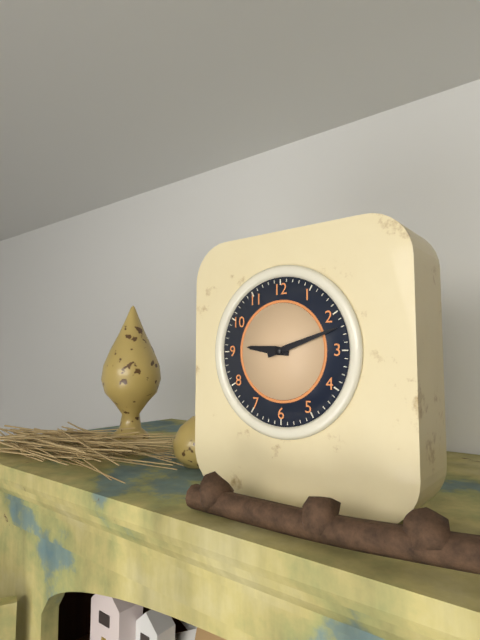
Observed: {"hour": 9, "minute": 12}
